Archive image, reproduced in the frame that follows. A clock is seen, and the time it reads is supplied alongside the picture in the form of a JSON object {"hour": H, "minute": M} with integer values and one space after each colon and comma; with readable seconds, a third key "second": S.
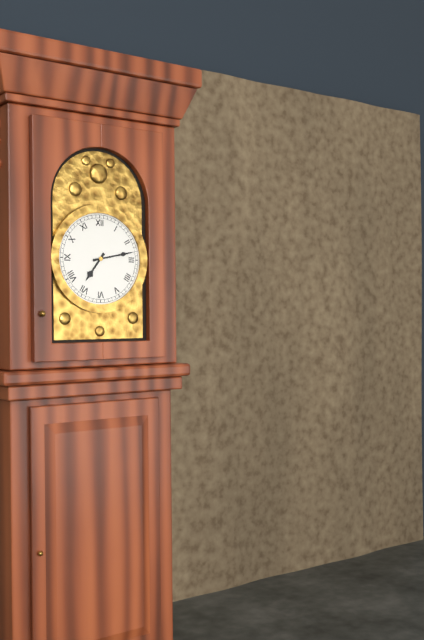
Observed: {"hour": 7, "minute": 13}
